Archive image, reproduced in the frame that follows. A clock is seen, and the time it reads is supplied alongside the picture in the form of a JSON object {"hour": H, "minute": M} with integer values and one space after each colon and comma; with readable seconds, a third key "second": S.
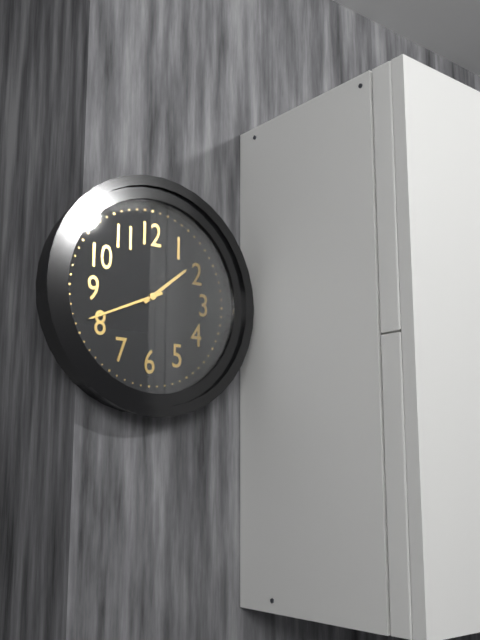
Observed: {"hour": 1, "minute": 41}
